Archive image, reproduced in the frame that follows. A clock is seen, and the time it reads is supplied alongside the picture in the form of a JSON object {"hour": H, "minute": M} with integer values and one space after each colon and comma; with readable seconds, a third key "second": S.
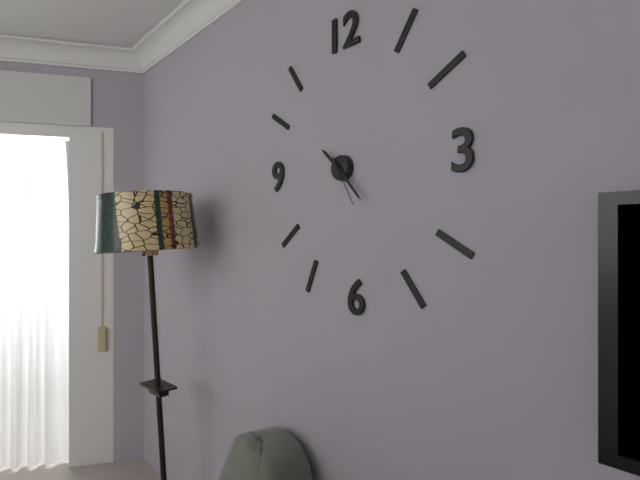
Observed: {"hour": 10, "minute": 23, "second": 25}
